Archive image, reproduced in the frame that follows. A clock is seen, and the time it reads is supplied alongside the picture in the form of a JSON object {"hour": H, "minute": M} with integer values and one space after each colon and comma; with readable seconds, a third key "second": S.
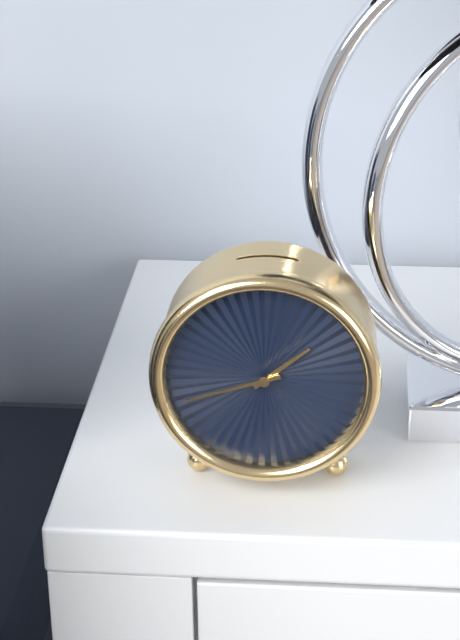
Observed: {"hour": 1, "minute": 42}
